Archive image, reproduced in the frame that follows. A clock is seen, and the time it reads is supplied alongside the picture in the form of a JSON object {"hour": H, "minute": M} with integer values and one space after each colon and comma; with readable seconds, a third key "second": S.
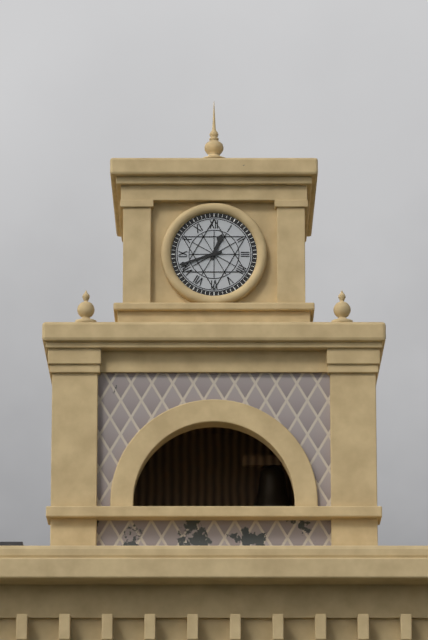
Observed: {"hour": 12, "minute": 42}
